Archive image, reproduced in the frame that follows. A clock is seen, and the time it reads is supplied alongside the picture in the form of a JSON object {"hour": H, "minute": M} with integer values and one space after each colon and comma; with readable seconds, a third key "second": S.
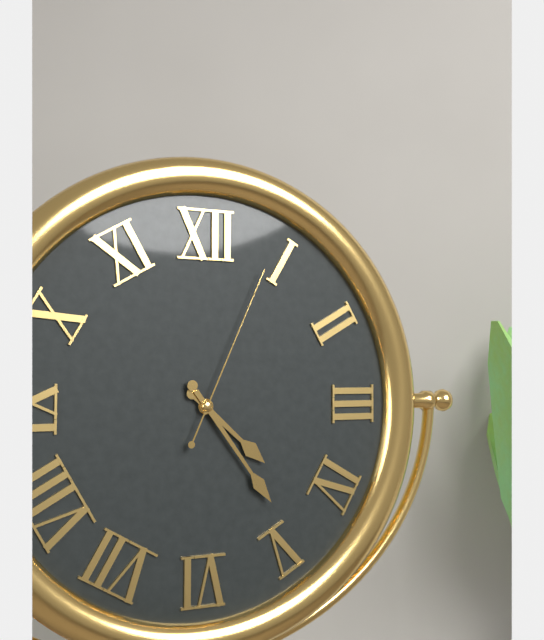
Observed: {"hour": 4, "minute": 24, "second": 4}
